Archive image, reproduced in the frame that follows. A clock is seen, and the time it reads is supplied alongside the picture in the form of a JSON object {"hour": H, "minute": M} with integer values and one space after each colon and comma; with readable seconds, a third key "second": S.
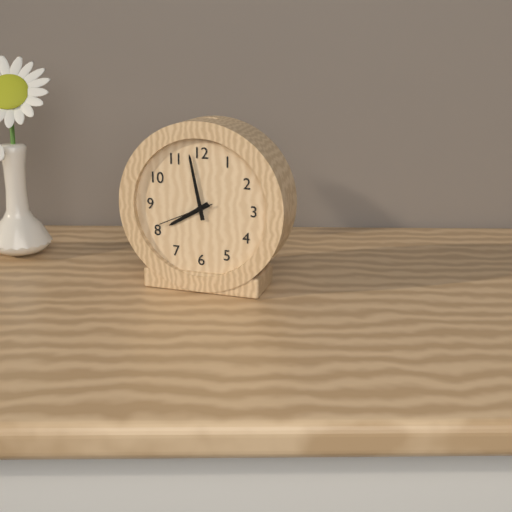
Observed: {"hour": 7, "minute": 58, "second": 41}
